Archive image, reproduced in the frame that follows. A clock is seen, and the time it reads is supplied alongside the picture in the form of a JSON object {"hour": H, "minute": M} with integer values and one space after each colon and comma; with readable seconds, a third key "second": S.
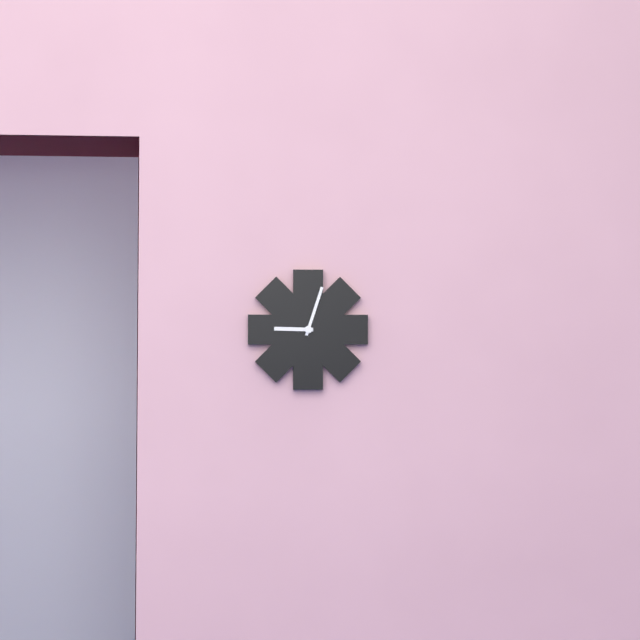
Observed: {"hour": 9, "minute": 3}
